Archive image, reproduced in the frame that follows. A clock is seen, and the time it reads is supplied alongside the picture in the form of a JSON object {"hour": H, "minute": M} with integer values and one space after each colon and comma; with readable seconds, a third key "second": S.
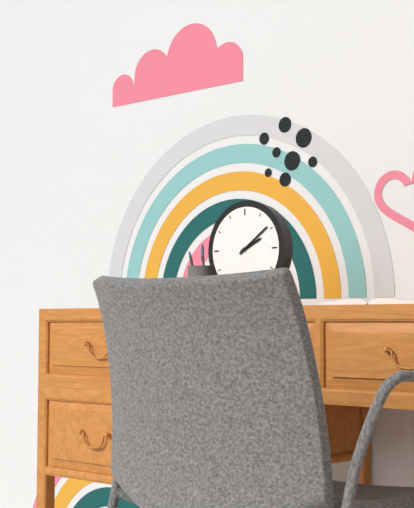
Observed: {"hour": 2, "minute": 9}
